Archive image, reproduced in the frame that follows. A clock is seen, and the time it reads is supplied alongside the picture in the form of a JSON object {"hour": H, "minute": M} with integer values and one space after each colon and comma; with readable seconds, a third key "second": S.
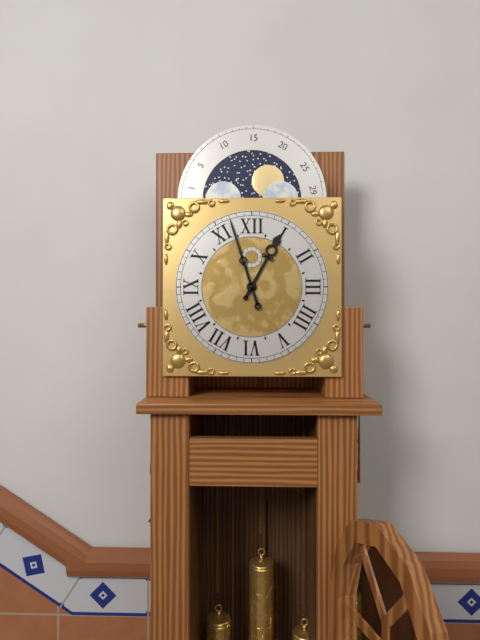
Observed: {"hour": 12, "minute": 57}
